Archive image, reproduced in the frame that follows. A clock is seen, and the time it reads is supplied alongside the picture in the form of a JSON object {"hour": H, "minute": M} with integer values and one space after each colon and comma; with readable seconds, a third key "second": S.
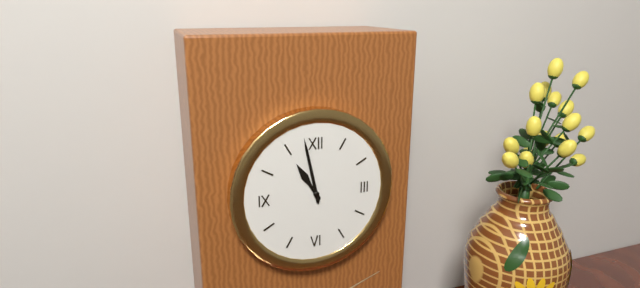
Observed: {"hour": 10, "minute": 58}
